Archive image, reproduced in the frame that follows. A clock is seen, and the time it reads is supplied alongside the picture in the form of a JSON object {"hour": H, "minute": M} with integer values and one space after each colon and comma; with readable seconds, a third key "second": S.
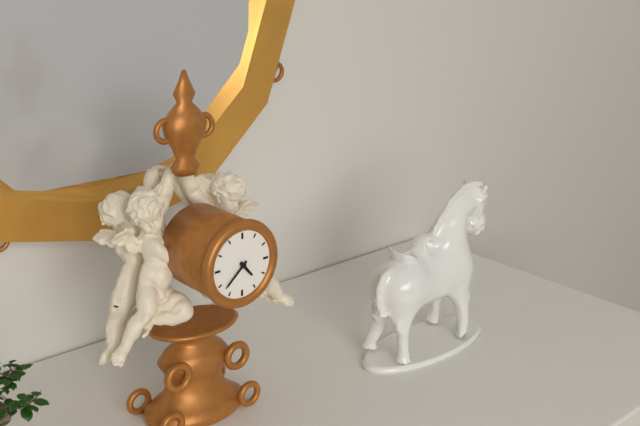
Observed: {"hour": 4, "minute": 38}
